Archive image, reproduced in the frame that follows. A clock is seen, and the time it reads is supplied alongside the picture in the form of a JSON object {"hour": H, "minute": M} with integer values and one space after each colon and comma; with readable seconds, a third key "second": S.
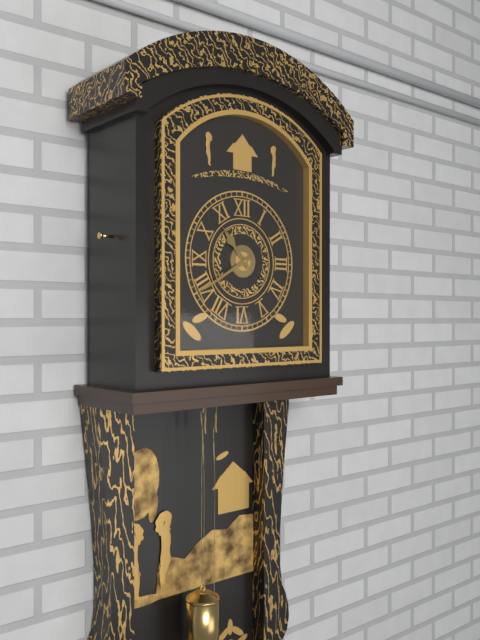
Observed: {"hour": 10, "minute": 40}
